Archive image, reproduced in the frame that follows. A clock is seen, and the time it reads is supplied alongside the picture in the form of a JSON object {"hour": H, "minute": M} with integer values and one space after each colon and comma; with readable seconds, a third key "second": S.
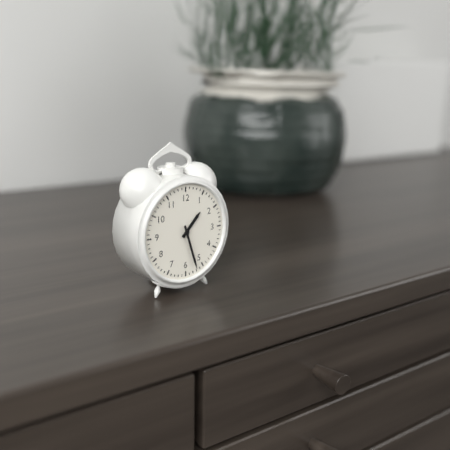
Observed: {"hour": 1, "minute": 27}
